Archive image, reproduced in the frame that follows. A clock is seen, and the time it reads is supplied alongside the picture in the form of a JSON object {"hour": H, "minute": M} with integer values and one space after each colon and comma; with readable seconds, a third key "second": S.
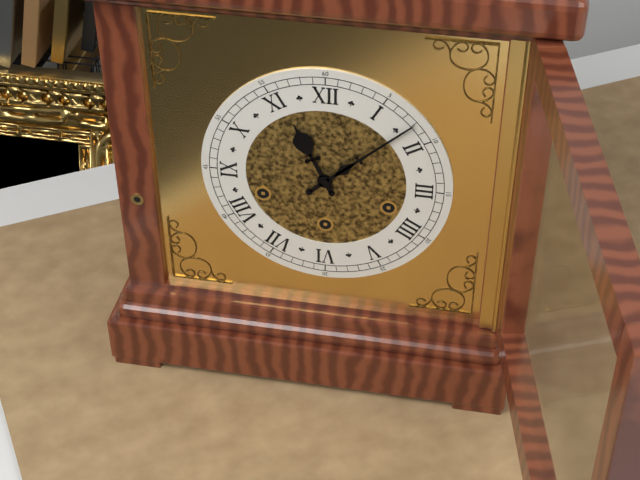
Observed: {"hour": 11, "minute": 8}
